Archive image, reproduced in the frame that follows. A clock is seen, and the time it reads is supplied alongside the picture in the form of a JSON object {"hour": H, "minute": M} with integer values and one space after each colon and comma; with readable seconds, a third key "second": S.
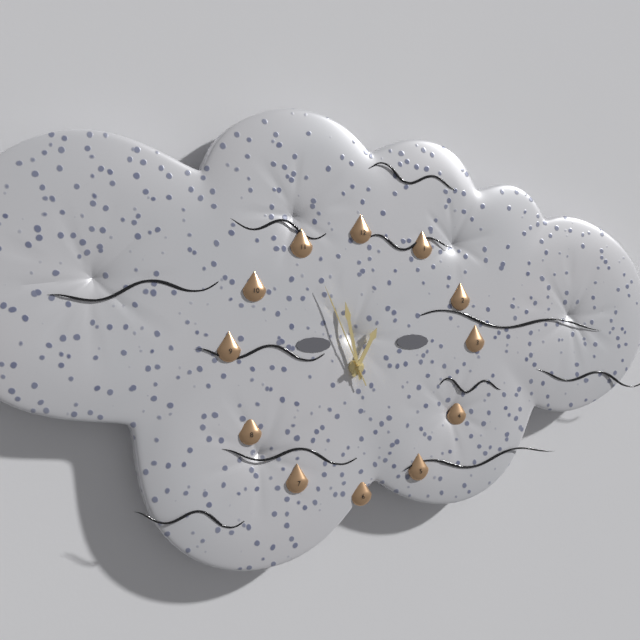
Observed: {"hour": 12, "minute": 58, "second": 56}
